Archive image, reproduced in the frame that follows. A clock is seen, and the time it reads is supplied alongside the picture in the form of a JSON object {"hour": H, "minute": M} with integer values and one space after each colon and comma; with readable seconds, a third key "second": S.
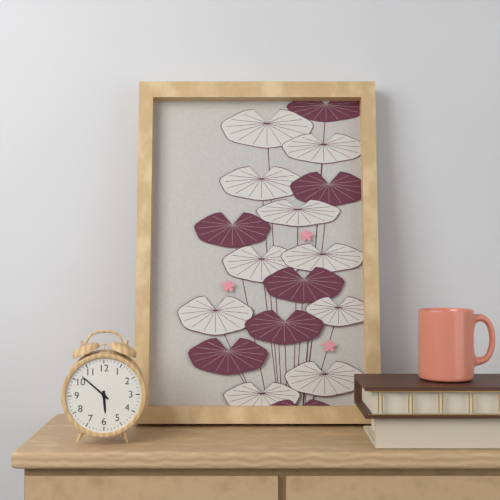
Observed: {"hour": 5, "minute": 52}
